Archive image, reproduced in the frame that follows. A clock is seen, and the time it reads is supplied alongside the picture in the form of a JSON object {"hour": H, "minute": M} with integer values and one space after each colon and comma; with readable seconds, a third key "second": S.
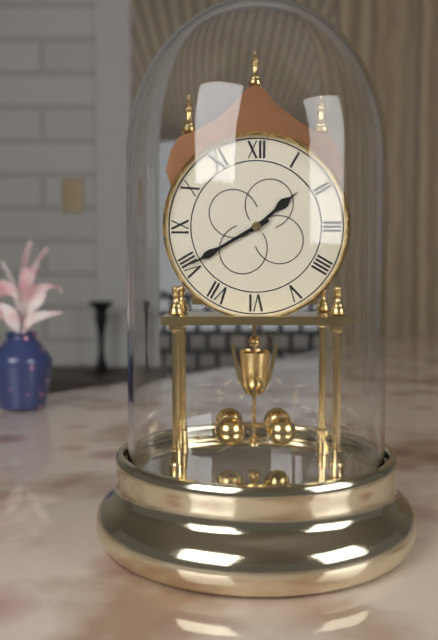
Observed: {"hour": 1, "minute": 40}
